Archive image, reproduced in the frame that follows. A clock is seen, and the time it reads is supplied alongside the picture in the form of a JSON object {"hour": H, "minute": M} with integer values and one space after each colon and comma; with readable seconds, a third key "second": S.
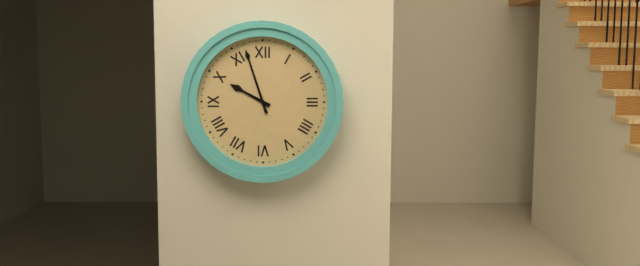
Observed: {"hour": 9, "minute": 57}
